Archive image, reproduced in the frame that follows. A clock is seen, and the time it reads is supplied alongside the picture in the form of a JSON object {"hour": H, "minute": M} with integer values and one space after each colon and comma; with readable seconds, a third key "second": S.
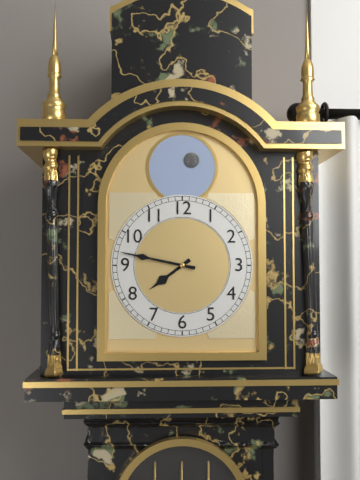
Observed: {"hour": 7, "minute": 47}
